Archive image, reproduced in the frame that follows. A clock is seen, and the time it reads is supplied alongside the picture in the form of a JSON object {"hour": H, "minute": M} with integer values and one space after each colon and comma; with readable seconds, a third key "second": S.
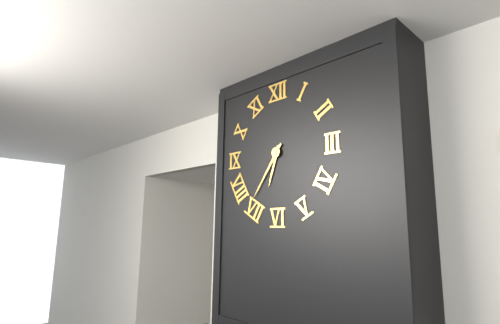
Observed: {"hour": 6, "minute": 36}
